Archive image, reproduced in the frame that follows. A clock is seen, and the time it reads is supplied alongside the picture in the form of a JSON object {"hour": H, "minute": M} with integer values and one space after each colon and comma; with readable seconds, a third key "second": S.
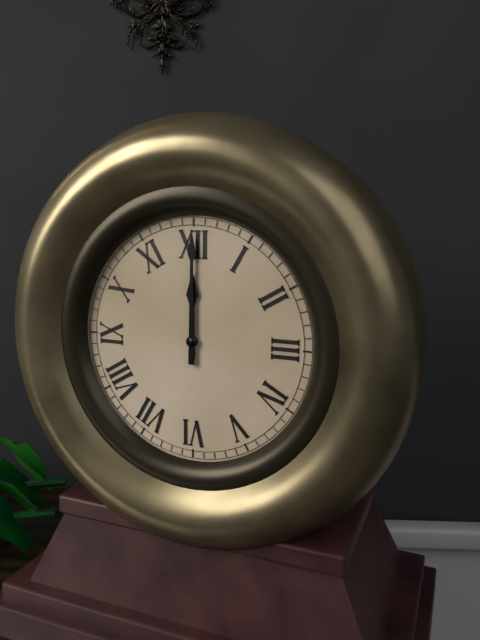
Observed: {"hour": 12, "minute": 0}
